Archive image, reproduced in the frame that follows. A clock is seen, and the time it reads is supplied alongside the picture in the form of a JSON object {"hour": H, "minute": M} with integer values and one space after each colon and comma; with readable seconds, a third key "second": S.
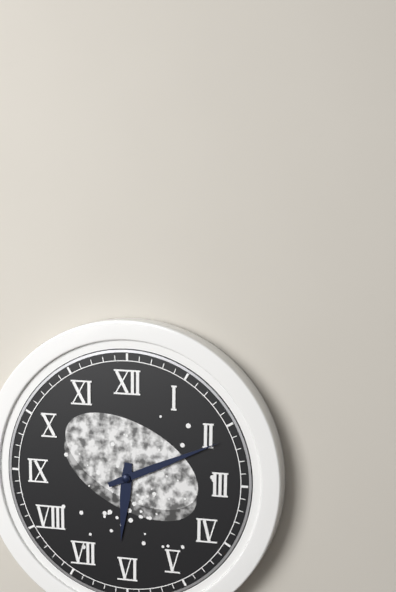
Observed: {"hour": 6, "minute": 11}
